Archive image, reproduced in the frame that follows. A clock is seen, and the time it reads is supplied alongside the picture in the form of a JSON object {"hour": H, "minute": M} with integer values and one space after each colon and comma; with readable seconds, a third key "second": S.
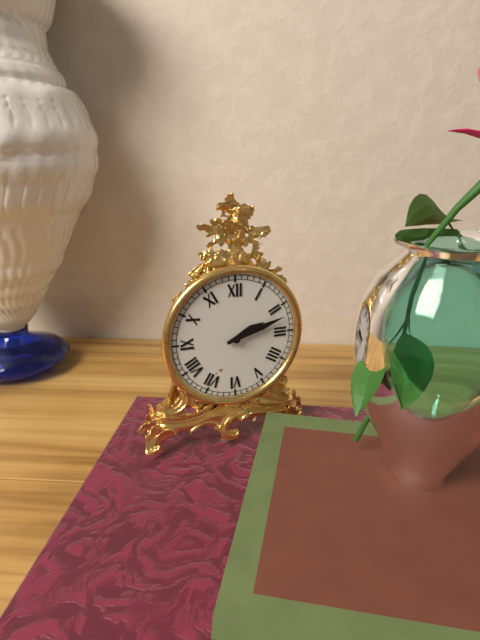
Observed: {"hour": 2, "minute": 12}
